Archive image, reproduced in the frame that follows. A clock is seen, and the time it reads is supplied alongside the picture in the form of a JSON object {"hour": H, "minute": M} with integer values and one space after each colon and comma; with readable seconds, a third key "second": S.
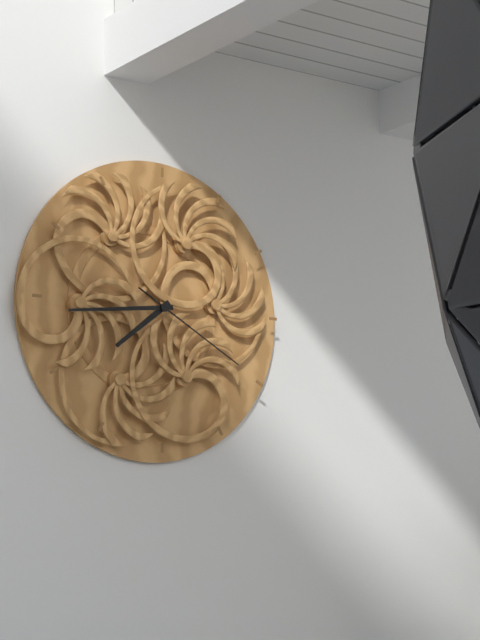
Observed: {"hour": 7, "minute": 44, "second": 20}
